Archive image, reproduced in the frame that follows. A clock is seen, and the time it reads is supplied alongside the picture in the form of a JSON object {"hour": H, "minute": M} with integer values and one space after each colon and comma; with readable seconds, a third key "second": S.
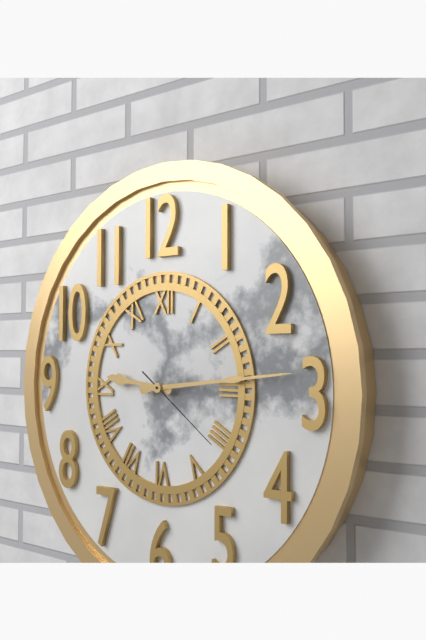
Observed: {"hour": 9, "minute": 14, "second": 21}
